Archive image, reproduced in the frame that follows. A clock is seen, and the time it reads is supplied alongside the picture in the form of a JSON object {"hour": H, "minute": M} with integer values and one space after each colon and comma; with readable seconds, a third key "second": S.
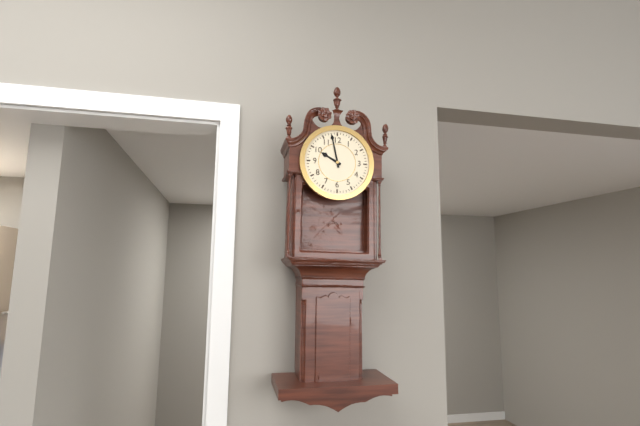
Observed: {"hour": 9, "minute": 58}
